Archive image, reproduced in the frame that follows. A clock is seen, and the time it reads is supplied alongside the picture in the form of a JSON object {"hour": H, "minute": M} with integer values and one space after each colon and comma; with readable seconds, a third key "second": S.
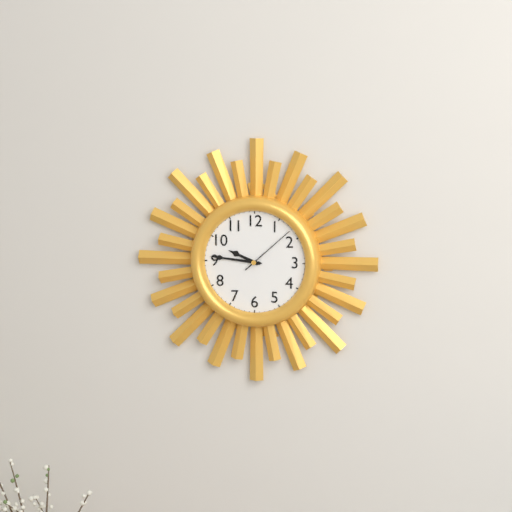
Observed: {"hour": 9, "minute": 46, "second": 8}
